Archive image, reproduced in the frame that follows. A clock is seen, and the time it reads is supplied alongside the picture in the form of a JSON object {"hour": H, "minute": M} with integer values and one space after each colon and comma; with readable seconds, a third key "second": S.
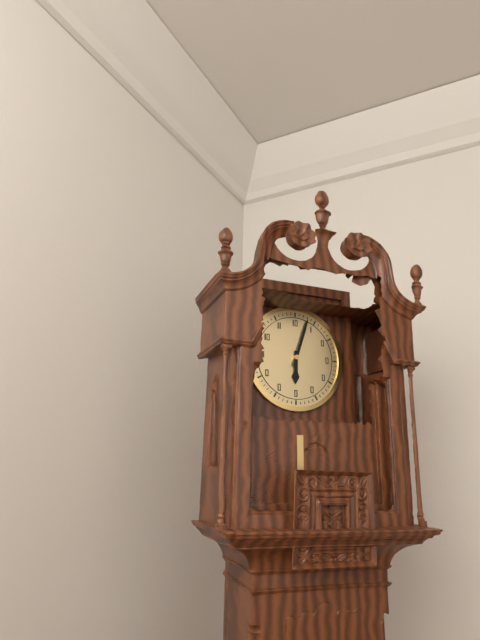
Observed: {"hour": 6, "minute": 3}
